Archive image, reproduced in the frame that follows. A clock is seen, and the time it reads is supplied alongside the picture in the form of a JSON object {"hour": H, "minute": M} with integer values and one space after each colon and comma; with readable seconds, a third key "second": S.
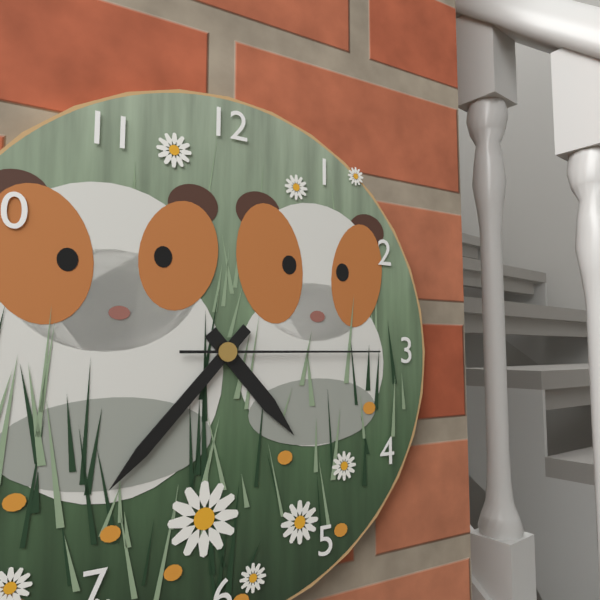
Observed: {"hour": 4, "minute": 37, "second": 15}
